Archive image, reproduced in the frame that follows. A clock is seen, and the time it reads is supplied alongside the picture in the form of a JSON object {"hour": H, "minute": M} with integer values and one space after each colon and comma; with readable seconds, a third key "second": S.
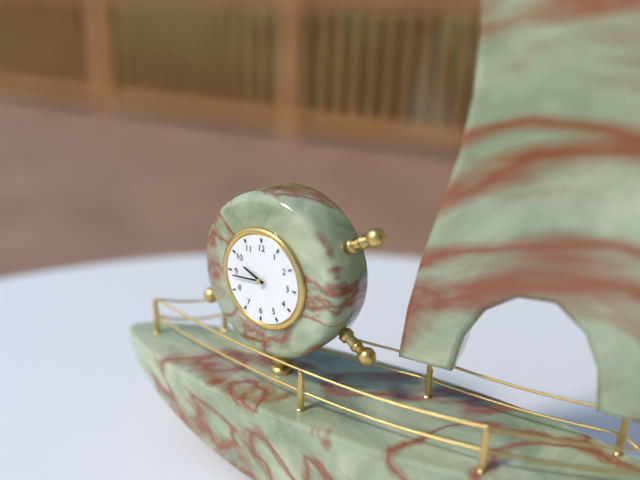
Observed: {"hour": 9, "minute": 44}
